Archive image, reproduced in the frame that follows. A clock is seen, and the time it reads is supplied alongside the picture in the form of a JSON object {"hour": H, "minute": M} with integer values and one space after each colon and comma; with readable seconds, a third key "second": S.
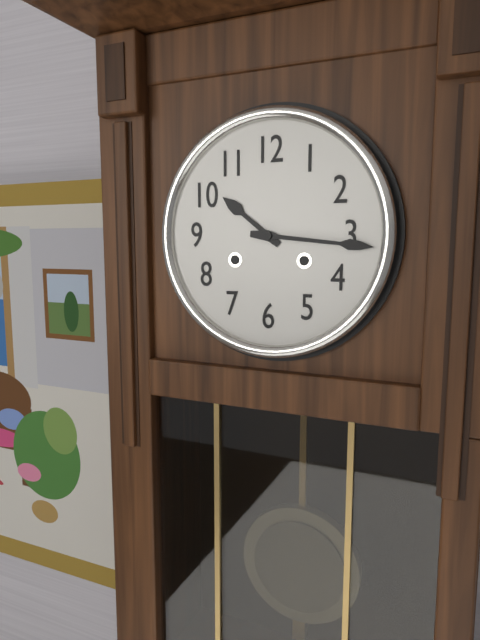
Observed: {"hour": 10, "minute": 16}
